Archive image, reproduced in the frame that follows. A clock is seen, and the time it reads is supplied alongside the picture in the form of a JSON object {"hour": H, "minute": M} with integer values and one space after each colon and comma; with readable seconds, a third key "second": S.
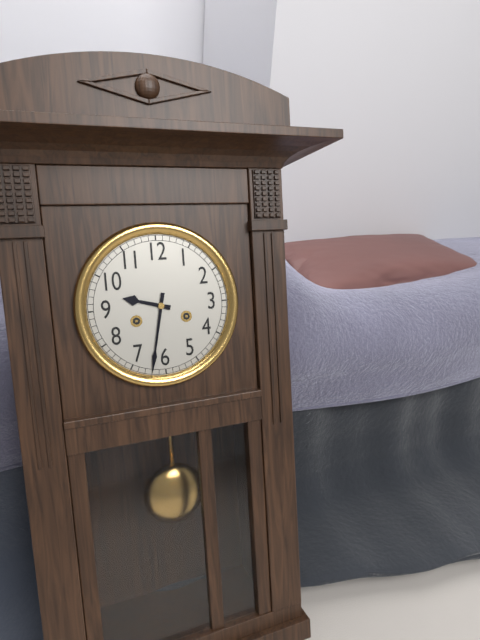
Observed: {"hour": 9, "minute": 32}
